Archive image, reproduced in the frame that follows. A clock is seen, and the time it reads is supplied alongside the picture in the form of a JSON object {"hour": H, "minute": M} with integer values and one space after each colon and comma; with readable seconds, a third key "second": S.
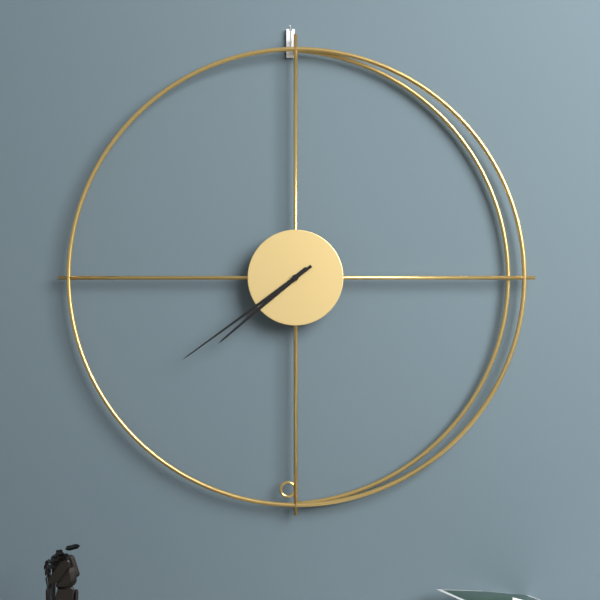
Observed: {"hour": 7, "minute": 39}
